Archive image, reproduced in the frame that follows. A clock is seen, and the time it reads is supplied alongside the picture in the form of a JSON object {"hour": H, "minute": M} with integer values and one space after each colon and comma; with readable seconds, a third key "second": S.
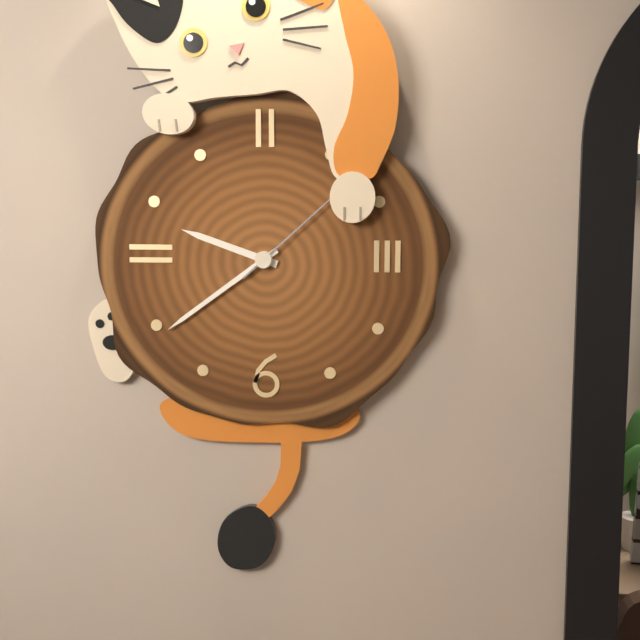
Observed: {"hour": 9, "minute": 39}
